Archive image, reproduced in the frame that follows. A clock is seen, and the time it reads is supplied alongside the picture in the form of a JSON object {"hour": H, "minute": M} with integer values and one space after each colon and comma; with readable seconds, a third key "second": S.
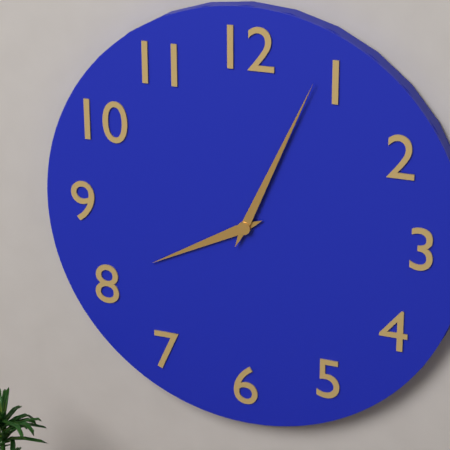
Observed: {"hour": 8, "minute": 4}
